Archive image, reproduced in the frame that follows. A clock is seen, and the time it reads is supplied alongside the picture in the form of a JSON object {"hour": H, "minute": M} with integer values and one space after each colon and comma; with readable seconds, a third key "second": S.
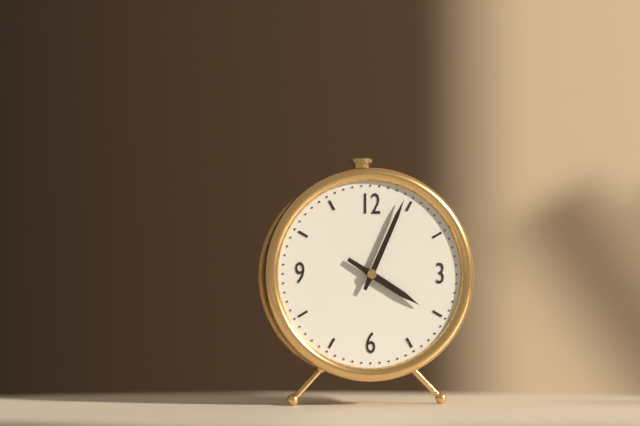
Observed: {"hour": 4, "minute": 4}
